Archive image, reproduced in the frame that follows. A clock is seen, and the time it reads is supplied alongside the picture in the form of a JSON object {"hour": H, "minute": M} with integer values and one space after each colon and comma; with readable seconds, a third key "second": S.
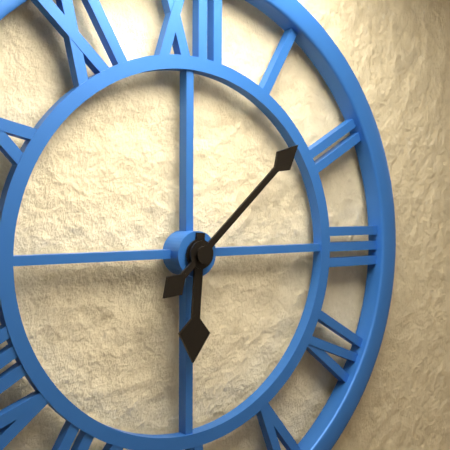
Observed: {"hour": 6, "minute": 8}
